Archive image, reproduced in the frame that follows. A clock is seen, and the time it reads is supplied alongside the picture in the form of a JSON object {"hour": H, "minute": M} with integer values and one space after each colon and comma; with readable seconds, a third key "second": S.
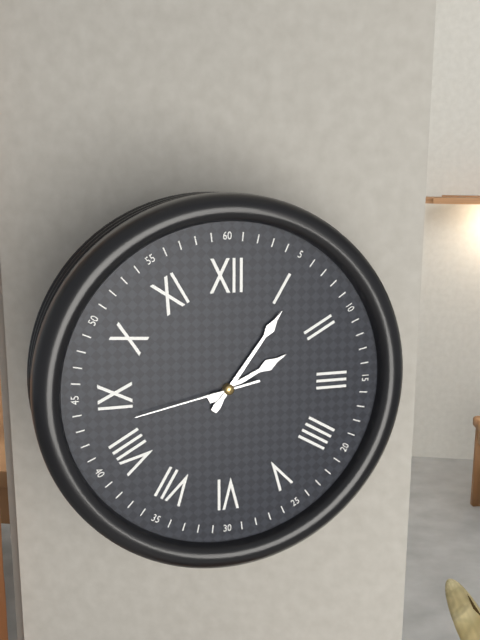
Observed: {"hour": 2, "minute": 6, "second": 43}
